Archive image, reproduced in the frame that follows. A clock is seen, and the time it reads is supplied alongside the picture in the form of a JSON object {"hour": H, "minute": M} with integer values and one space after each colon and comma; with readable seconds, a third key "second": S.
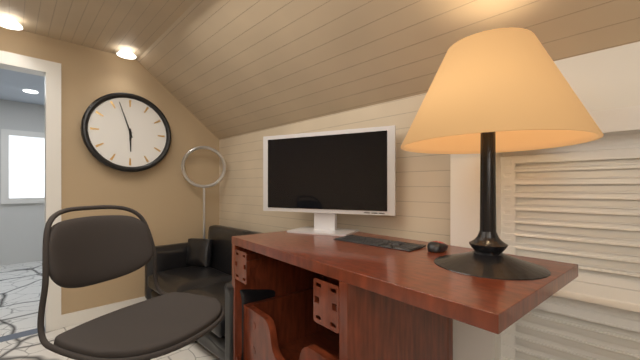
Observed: {"hour": 5, "minute": 57}
